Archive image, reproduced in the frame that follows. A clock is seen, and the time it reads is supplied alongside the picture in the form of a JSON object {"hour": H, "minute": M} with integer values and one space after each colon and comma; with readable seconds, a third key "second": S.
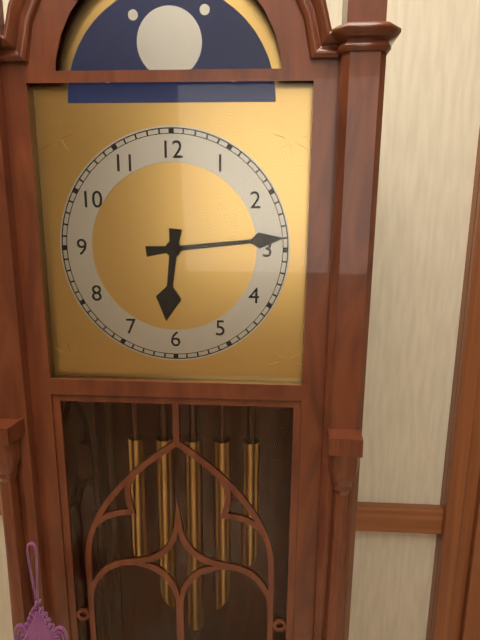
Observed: {"hour": 6, "minute": 14}
